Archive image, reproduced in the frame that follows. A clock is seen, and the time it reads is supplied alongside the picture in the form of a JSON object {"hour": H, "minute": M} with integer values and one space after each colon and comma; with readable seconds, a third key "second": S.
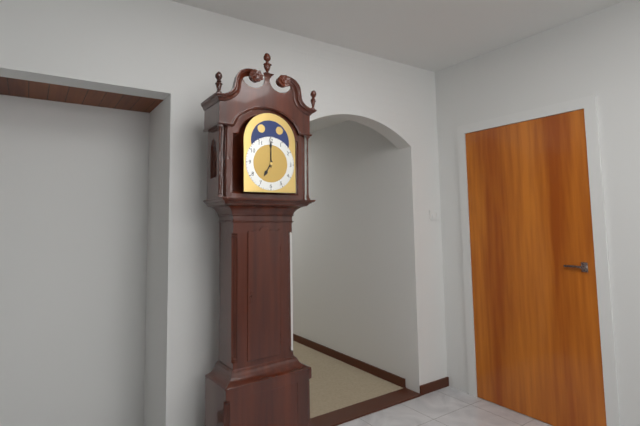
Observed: {"hour": 7, "minute": 0}
